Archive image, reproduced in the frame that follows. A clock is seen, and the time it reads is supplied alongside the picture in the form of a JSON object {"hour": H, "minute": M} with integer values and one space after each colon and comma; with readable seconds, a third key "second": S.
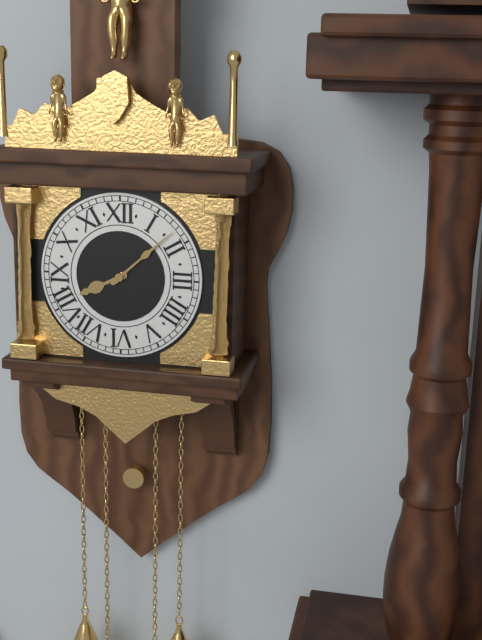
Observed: {"hour": 8, "minute": 8}
